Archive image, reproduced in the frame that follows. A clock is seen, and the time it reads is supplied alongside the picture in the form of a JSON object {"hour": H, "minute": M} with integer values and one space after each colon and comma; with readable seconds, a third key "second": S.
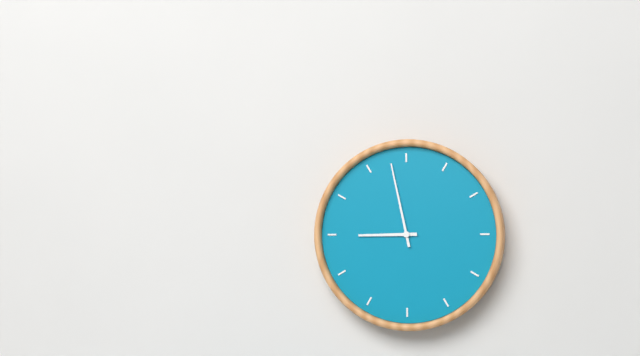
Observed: {"hour": 8, "minute": 58}
